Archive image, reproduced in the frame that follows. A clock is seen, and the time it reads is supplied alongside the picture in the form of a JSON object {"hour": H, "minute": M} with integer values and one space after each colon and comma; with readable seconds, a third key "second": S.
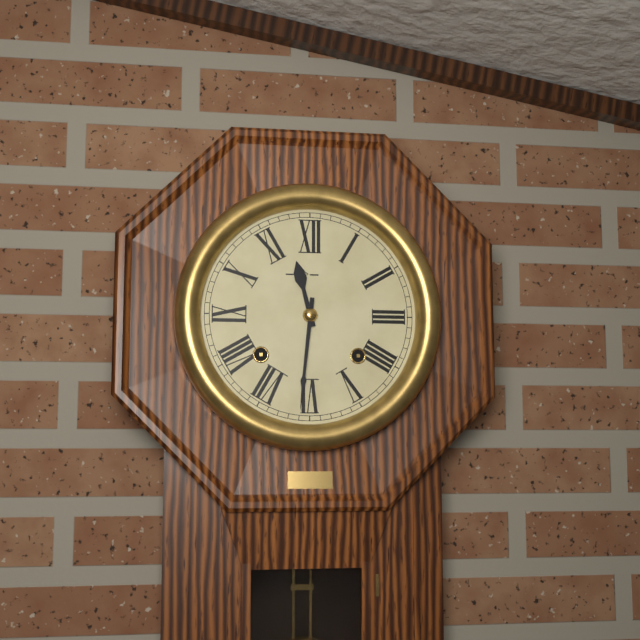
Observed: {"hour": 11, "minute": 31}
